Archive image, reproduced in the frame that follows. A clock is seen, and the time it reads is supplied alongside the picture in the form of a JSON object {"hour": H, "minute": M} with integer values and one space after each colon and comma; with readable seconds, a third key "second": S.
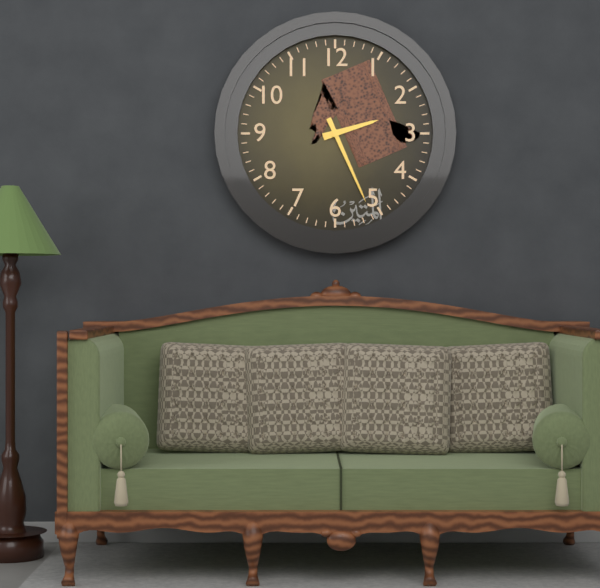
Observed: {"hour": 2, "minute": 26}
